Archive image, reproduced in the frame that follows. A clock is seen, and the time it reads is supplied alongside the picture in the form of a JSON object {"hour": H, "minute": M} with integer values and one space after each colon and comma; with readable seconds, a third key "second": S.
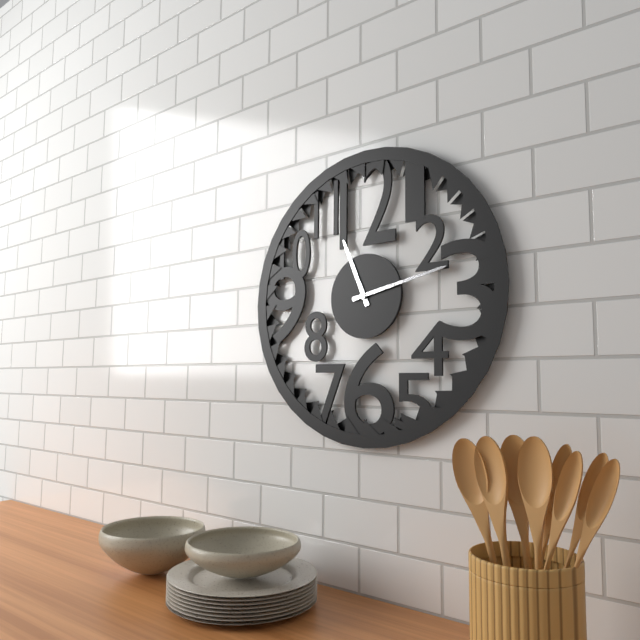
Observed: {"hour": 11, "minute": 13}
